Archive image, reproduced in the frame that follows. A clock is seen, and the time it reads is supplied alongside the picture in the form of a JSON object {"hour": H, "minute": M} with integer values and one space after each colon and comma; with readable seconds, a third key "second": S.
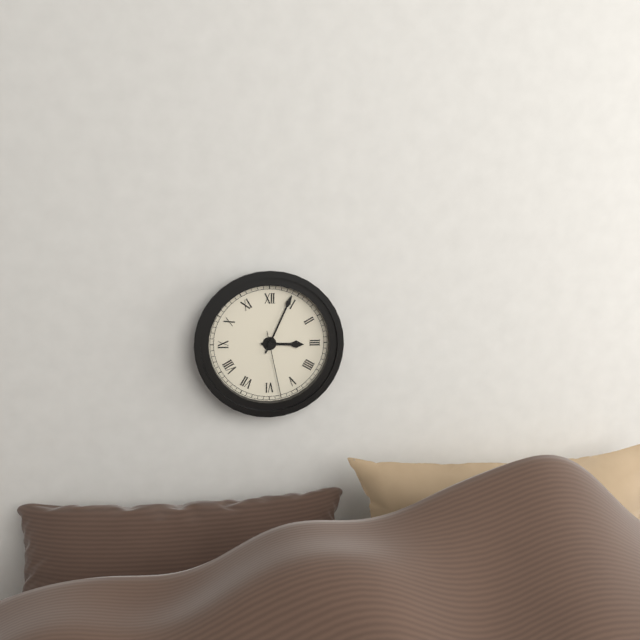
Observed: {"hour": 3, "minute": 4, "second": 28}
